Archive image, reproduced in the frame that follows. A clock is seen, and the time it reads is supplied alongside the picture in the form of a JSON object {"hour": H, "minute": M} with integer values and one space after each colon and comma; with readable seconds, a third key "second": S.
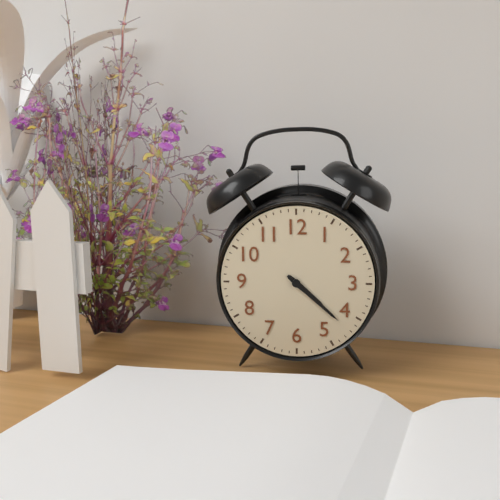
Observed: {"hour": 4, "minute": 22}
